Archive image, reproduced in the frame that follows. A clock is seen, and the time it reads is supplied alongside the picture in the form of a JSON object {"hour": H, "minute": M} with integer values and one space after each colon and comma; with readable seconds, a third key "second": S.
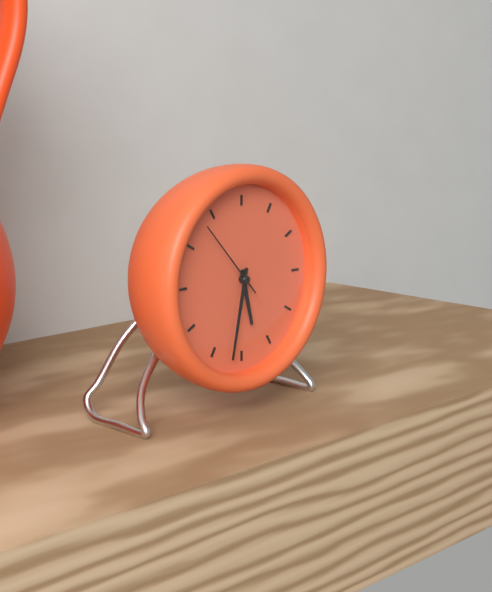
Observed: {"hour": 5, "minute": 32, "second": 53}
